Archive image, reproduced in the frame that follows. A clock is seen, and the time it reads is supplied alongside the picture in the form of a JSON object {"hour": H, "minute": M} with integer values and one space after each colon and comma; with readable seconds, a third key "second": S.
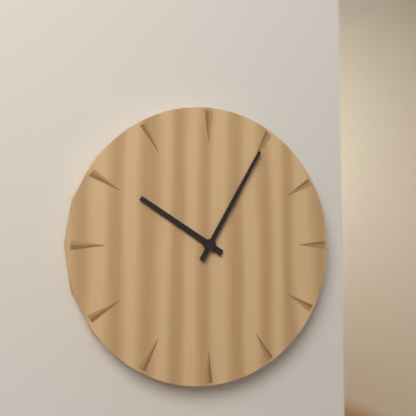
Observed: {"hour": 10, "minute": 5}
